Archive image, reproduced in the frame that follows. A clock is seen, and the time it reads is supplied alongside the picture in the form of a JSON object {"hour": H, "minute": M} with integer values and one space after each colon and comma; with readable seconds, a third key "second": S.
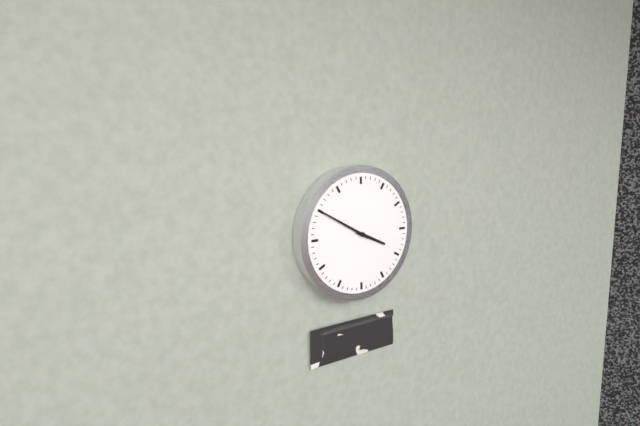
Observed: {"hour": 3, "minute": 50}
